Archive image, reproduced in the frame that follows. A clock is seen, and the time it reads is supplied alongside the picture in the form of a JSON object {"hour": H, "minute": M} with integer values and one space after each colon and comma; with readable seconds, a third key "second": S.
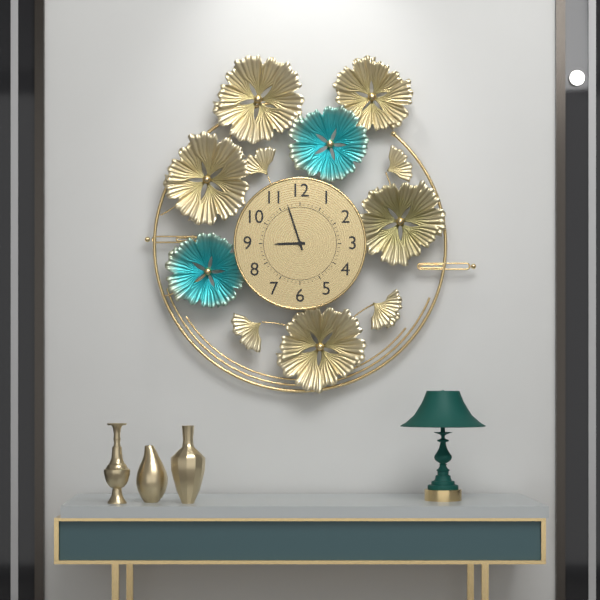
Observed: {"hour": 8, "minute": 57}
